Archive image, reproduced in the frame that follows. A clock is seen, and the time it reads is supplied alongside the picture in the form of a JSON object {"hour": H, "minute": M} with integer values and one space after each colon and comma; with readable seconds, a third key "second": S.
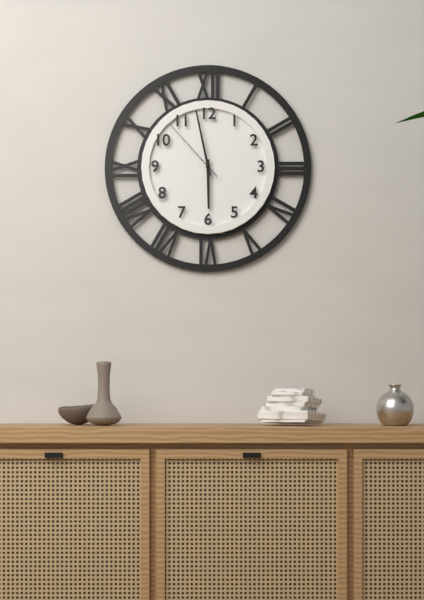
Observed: {"hour": 5, "minute": 58, "second": 53}
